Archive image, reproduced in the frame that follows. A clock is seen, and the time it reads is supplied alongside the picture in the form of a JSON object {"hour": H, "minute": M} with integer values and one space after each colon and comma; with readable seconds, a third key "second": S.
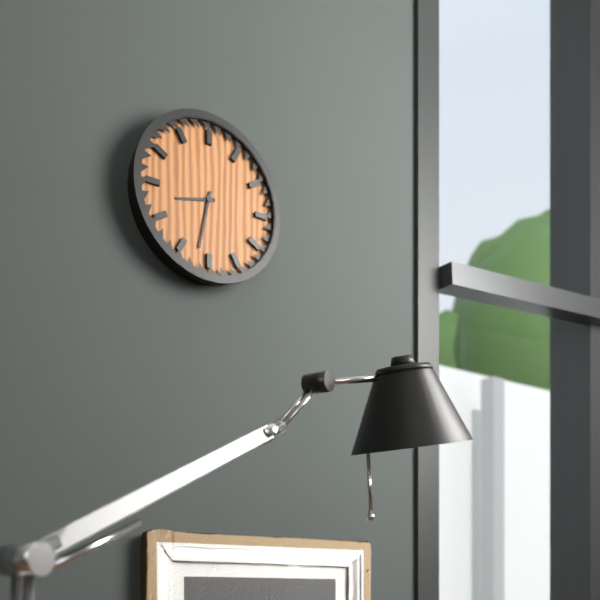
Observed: {"hour": 8, "minute": 32}
